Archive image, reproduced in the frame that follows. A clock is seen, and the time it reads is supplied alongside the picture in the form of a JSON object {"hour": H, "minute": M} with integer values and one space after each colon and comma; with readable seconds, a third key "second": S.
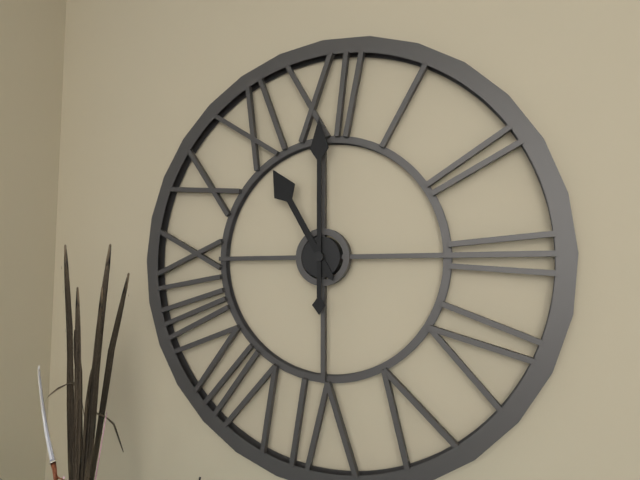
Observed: {"hour": 11, "minute": 0}
